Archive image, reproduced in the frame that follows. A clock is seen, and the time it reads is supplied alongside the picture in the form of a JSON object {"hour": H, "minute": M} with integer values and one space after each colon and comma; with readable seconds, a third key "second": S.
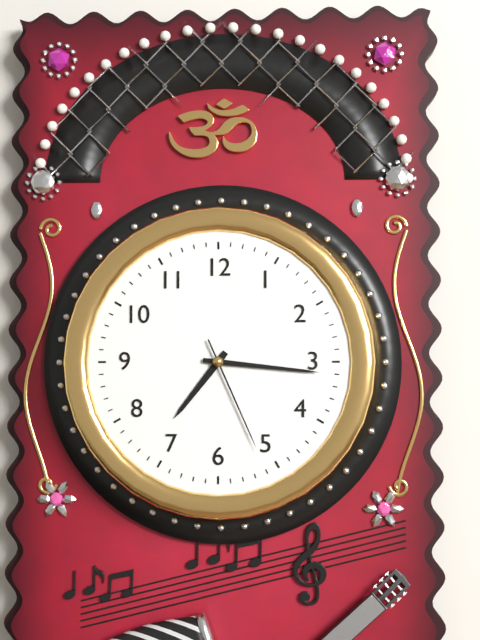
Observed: {"hour": 7, "minute": 16, "second": 26}
